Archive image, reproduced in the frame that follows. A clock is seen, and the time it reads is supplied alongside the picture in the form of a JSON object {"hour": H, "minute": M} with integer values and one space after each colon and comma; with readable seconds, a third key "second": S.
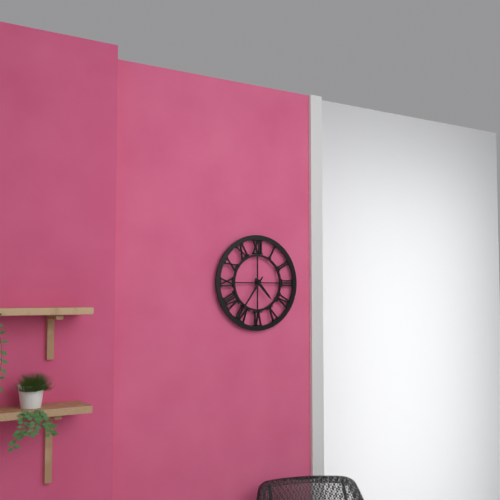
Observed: {"hour": 4, "minute": 36}
